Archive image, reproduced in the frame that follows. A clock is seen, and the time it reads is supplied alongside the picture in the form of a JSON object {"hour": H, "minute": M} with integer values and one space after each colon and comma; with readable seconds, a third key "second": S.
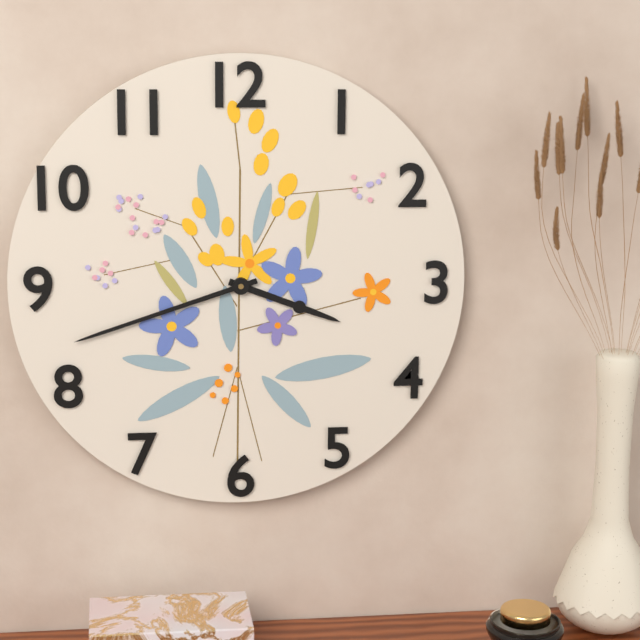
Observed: {"hour": 3, "minute": 42}
